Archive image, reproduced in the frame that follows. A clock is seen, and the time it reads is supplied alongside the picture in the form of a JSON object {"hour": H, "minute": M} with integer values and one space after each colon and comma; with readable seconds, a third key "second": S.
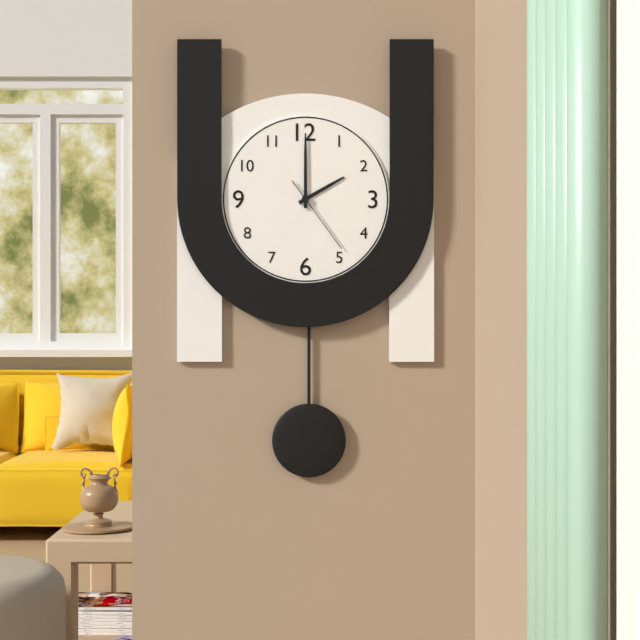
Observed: {"hour": 2, "minute": 0, "second": 24}
